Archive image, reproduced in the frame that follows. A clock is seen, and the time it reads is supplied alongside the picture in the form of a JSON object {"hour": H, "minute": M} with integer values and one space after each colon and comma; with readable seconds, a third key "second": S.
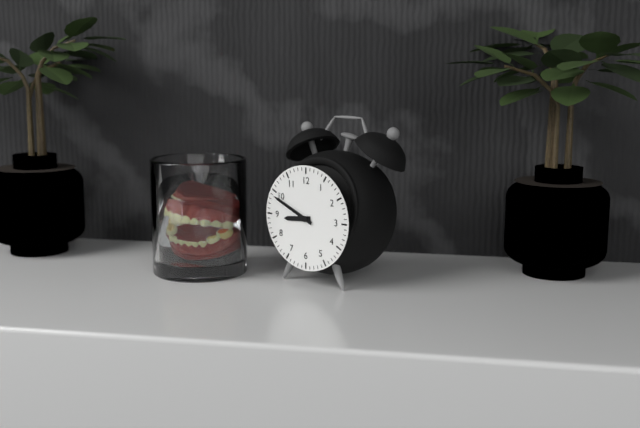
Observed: {"hour": 8, "minute": 49}
